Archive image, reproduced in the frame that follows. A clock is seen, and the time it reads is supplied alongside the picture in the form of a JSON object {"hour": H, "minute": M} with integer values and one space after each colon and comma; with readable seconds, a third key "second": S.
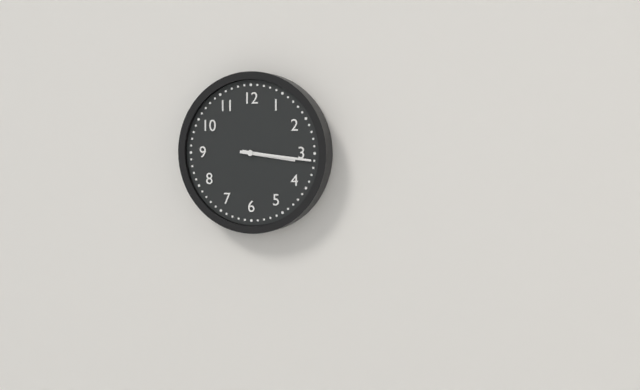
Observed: {"hour": 3, "minute": 16}
